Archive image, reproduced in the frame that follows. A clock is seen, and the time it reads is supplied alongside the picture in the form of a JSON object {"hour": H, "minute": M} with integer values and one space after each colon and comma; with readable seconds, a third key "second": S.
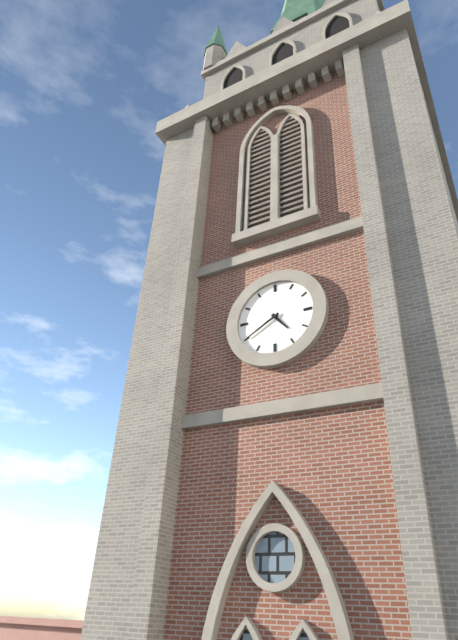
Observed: {"hour": 4, "minute": 40}
